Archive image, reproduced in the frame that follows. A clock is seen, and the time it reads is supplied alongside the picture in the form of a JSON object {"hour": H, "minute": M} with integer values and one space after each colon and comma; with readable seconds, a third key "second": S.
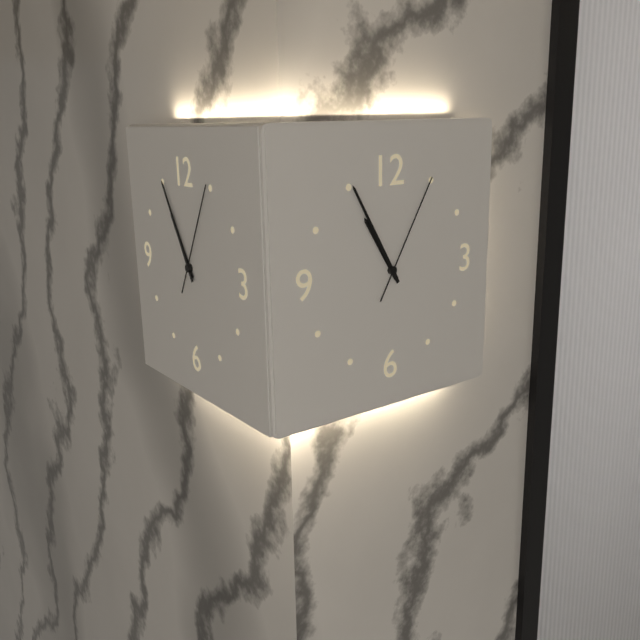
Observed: {"hour": 10, "minute": 55, "second": 5}
